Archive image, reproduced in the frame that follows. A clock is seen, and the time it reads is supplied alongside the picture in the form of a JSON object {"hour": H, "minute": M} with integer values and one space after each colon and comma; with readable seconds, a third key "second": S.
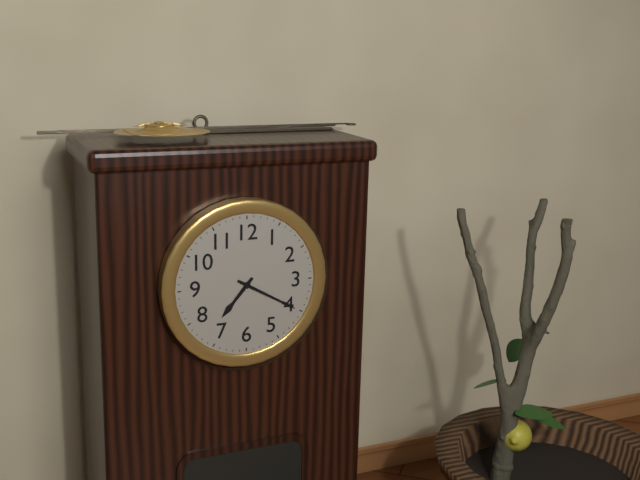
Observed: {"hour": 7, "minute": 20}
